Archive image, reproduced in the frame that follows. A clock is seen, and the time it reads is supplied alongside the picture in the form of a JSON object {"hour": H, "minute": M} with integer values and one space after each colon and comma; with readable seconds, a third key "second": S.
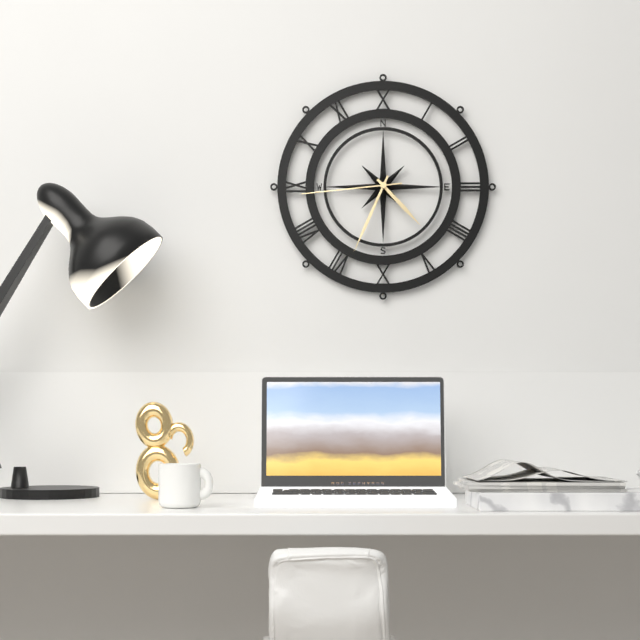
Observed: {"hour": 4, "minute": 34, "second": 44}
